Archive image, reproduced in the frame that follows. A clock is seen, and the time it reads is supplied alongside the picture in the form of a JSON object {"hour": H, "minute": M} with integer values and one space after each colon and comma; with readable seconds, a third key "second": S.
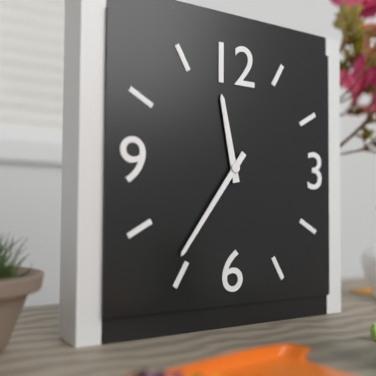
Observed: {"hour": 11, "minute": 36}
